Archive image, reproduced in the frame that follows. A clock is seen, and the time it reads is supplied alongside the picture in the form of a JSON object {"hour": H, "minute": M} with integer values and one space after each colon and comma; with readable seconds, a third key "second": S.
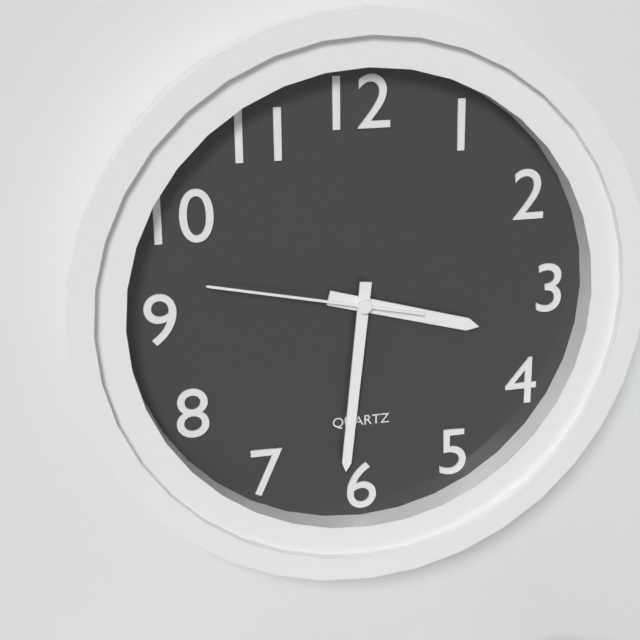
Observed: {"hour": 3, "minute": 31, "second": 47}
